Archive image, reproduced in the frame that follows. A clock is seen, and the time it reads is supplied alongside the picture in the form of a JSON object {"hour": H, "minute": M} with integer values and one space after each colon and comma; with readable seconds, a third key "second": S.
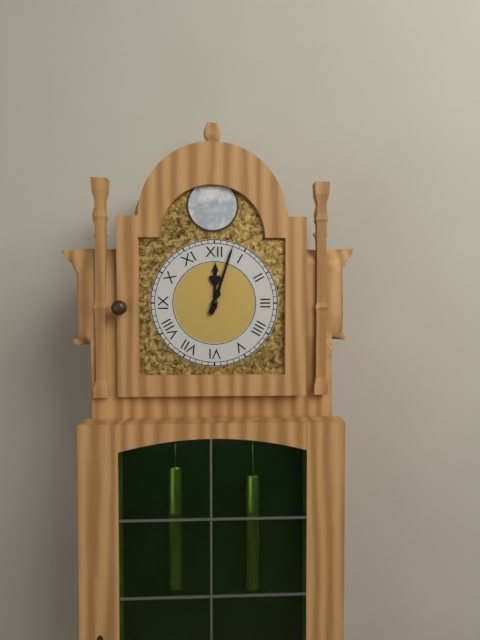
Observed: {"hour": 12, "minute": 3}
